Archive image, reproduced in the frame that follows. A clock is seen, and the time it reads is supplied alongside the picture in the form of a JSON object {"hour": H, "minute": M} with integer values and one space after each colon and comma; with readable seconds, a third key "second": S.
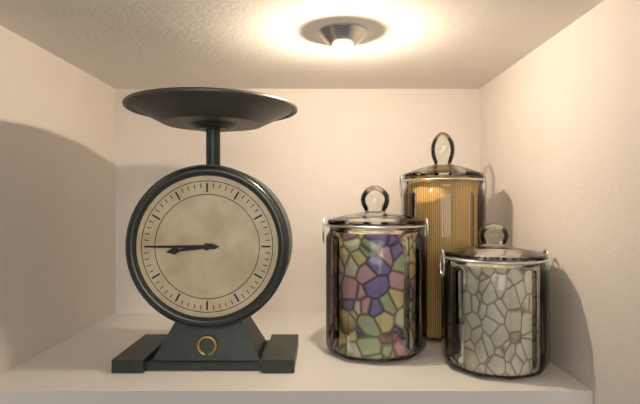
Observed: {"hour": 8, "minute": 45}
